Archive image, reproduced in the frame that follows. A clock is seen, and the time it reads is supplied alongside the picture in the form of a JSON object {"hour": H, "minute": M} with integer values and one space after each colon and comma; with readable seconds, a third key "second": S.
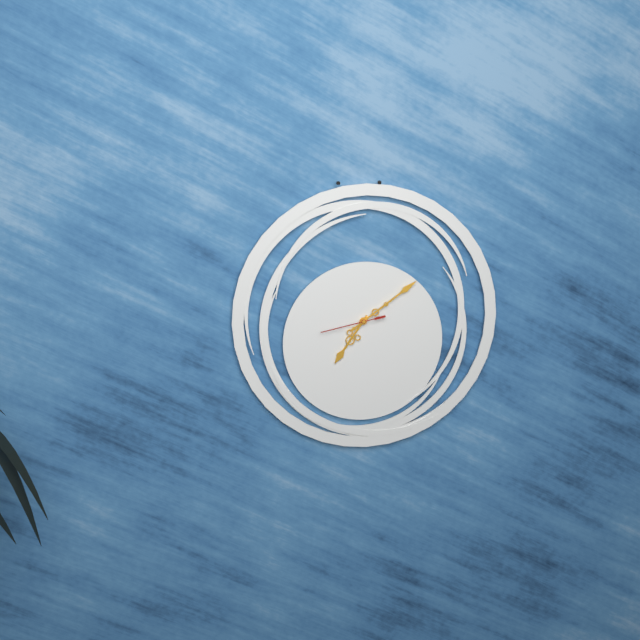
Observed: {"hour": 7, "minute": 9, "second": 43}
